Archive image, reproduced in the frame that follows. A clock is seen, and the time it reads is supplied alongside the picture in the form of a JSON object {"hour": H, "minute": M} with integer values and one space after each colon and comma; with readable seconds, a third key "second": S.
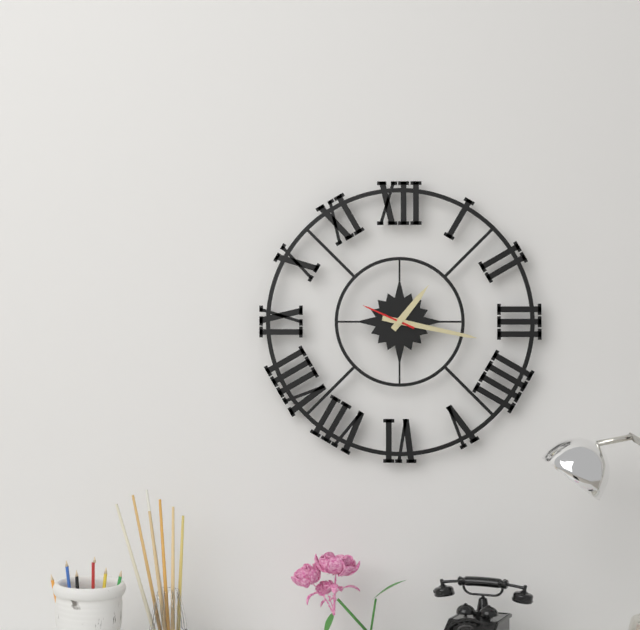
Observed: {"hour": 1, "minute": 17, "second": 49}
